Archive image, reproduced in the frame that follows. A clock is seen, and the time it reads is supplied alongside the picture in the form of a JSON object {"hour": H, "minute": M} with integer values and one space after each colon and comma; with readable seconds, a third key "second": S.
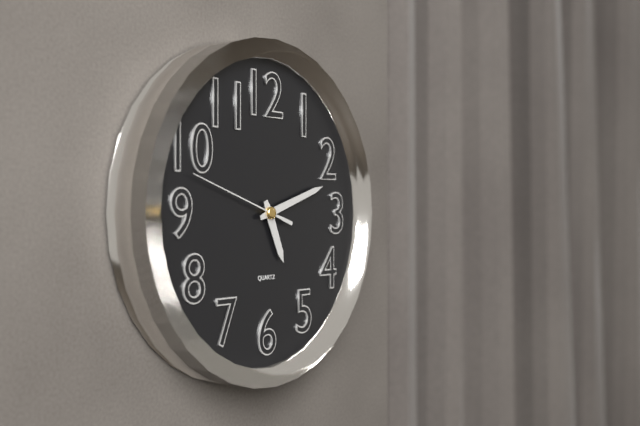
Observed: {"hour": 5, "minute": 12, "second": 48}
